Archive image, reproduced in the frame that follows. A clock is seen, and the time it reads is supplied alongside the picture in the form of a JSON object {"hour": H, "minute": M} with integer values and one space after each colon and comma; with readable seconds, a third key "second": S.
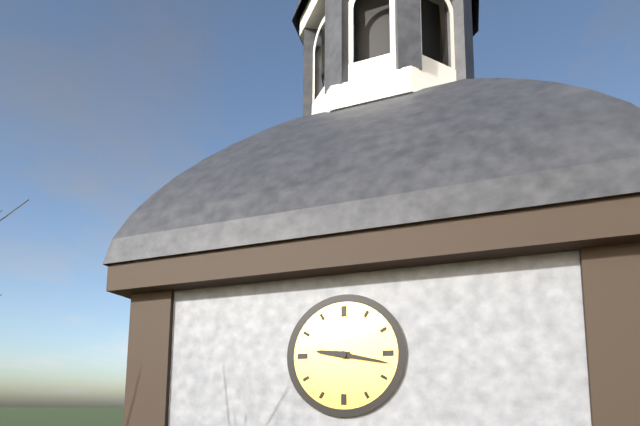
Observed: {"hour": 9, "minute": 17}
